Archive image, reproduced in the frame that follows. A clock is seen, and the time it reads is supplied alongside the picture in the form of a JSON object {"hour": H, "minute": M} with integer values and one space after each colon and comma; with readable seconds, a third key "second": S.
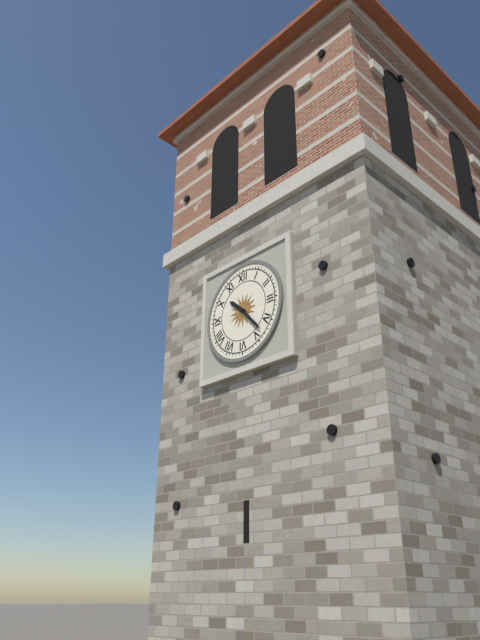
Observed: {"hour": 10, "minute": 23}
